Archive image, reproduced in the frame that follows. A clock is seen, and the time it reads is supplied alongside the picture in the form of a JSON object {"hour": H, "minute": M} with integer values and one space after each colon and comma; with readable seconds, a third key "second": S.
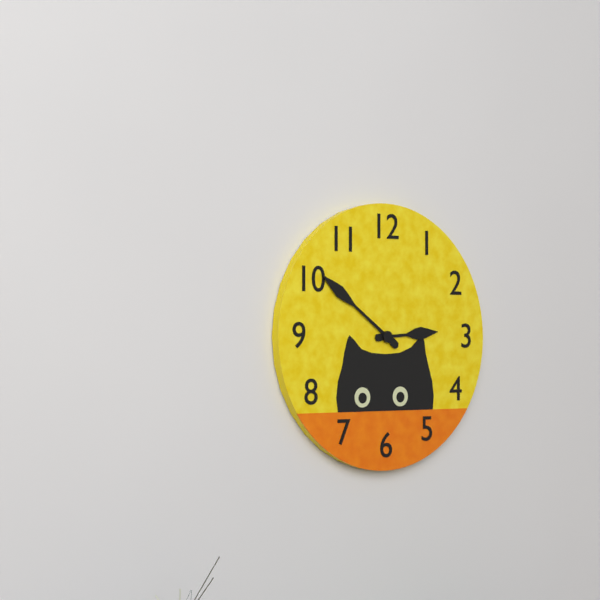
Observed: {"hour": 2, "minute": 51}
